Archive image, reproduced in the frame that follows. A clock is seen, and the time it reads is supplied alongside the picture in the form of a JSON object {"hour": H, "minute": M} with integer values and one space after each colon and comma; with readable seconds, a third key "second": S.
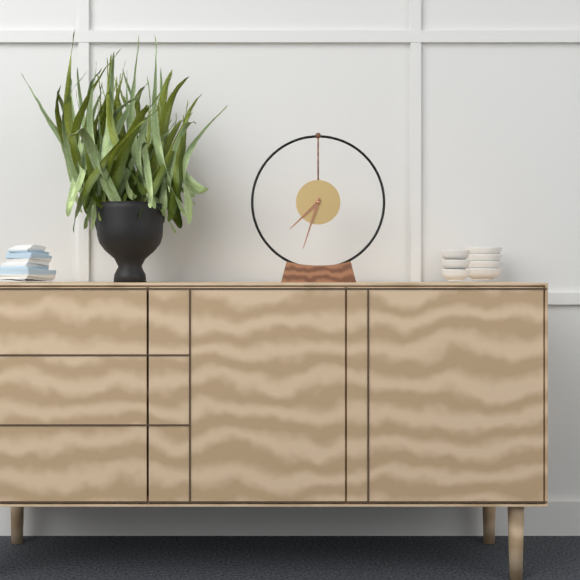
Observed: {"hour": 7, "minute": 33}
